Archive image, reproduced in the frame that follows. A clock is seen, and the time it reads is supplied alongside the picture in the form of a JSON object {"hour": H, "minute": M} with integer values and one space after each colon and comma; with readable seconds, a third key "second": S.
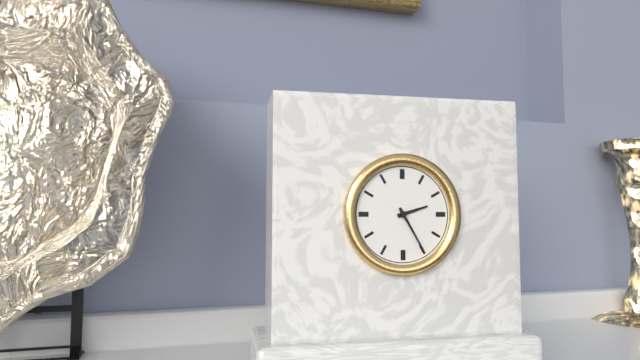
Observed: {"hour": 2, "minute": 25}
